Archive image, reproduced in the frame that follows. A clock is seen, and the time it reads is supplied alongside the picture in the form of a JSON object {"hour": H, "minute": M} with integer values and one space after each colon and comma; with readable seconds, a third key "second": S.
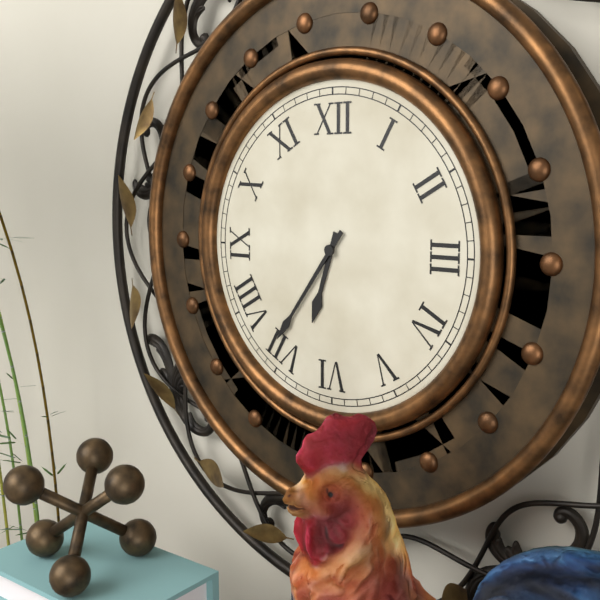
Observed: {"hour": 6, "minute": 36}
